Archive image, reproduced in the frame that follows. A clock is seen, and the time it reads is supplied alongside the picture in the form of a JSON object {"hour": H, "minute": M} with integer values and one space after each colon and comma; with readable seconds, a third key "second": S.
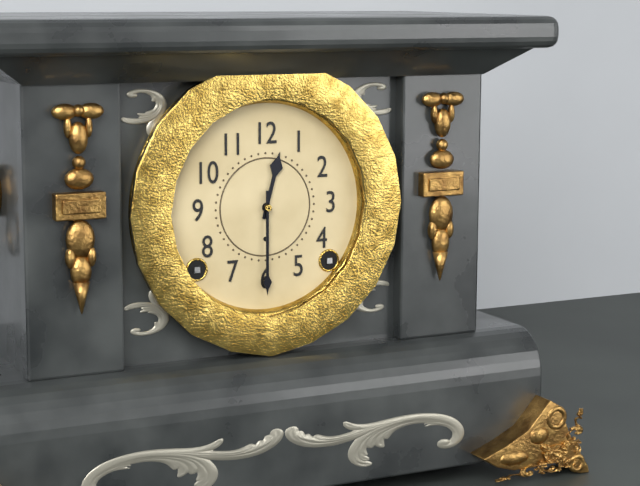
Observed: {"hour": 12, "minute": 30}
